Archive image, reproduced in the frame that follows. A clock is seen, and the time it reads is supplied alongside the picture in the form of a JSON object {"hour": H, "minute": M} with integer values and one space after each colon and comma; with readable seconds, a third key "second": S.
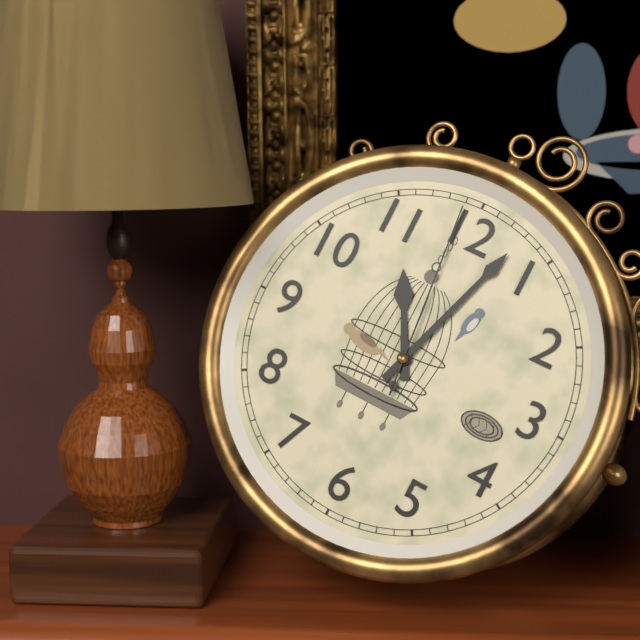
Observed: {"hour": 11, "minute": 3, "second": 59}
